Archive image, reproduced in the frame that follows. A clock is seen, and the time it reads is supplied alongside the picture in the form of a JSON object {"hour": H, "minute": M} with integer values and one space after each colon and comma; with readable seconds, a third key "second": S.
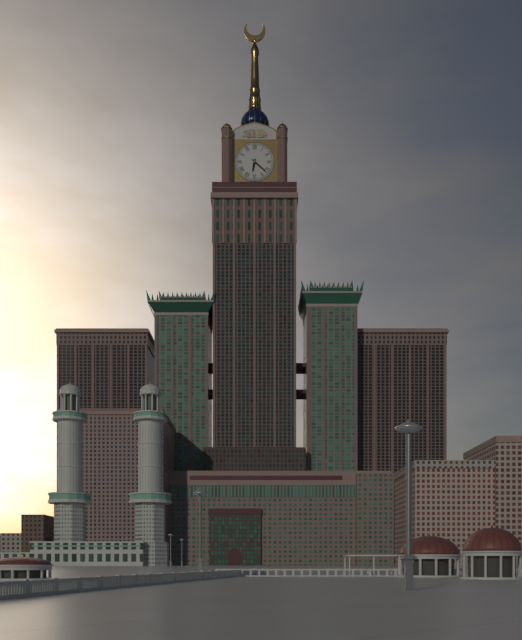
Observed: {"hour": 6, "minute": 22}
